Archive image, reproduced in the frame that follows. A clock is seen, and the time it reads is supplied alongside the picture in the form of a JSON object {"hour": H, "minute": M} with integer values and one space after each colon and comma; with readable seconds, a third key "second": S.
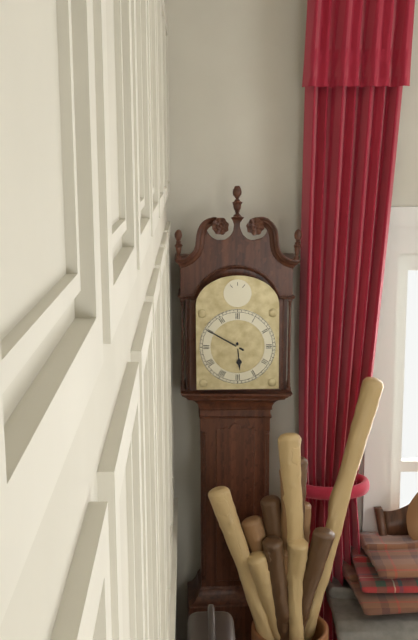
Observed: {"hour": 5, "minute": 50}
